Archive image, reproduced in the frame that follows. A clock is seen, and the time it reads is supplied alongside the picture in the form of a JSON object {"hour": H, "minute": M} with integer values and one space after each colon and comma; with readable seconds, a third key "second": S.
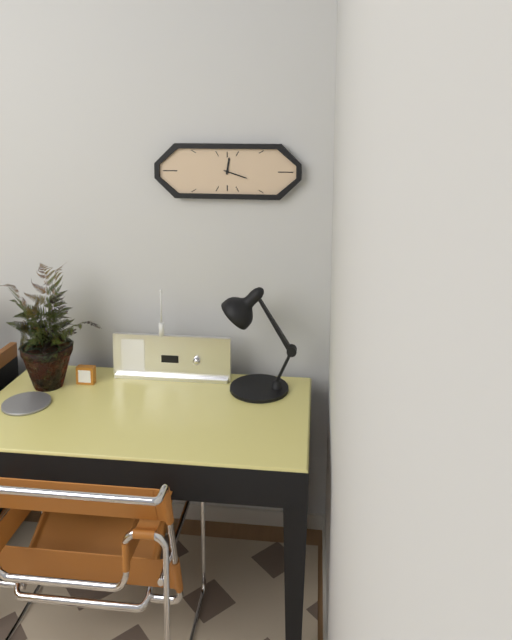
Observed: {"hour": 12, "minute": 18}
